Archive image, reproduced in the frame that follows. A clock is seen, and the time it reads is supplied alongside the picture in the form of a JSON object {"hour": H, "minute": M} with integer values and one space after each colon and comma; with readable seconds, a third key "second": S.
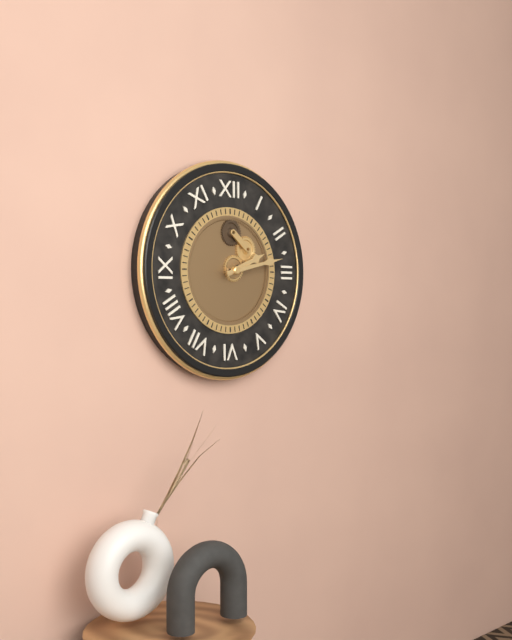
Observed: {"hour": 2, "minute": 13}
